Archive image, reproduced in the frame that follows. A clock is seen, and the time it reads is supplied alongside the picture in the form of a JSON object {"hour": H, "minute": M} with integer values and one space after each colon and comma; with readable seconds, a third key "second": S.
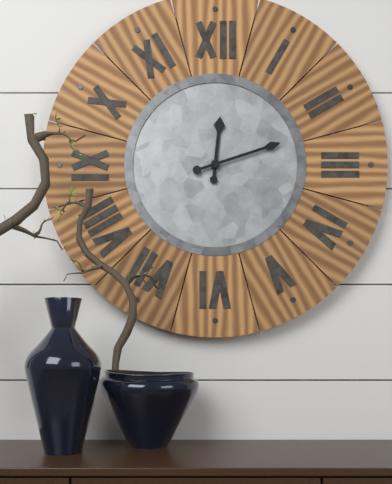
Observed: {"hour": 12, "minute": 12}
